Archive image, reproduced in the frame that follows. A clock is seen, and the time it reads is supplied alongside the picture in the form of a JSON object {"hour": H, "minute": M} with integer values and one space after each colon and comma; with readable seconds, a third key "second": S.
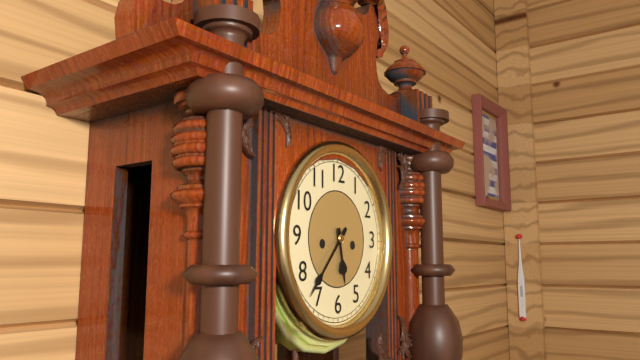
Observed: {"hour": 5, "minute": 37}
